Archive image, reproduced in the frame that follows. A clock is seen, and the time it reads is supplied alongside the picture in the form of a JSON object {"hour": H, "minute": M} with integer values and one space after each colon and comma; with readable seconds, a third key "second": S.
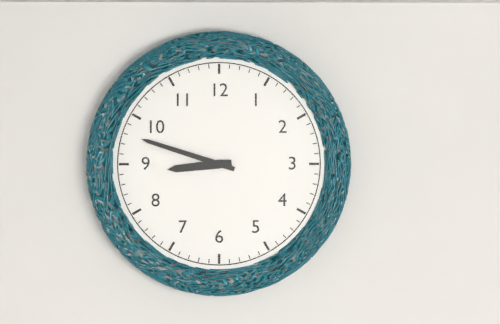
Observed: {"hour": 8, "minute": 48}
